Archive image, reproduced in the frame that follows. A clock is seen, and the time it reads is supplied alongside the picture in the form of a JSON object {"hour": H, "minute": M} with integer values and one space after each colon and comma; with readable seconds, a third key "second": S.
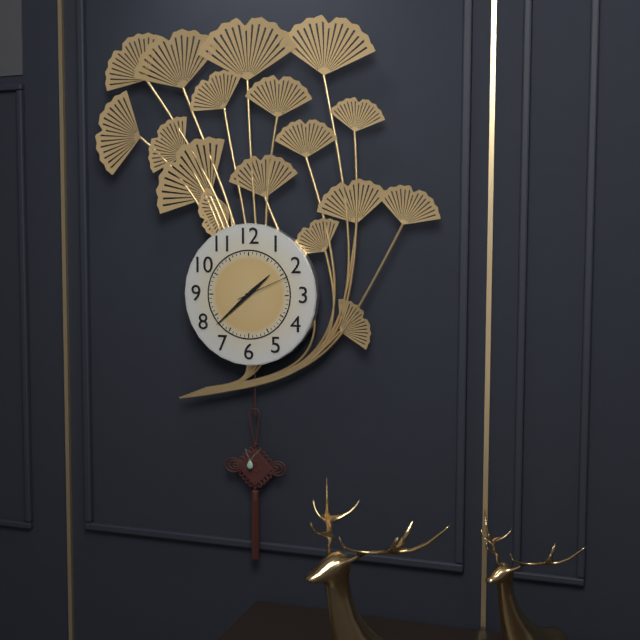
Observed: {"hour": 1, "minute": 38, "second": 11}
